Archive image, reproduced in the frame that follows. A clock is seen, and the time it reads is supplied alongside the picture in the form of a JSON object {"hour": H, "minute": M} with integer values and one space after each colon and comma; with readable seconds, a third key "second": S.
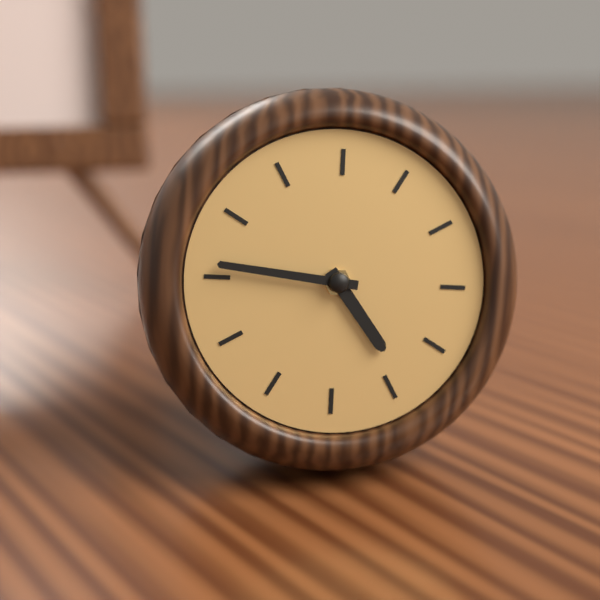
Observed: {"hour": 4, "minute": 46}
